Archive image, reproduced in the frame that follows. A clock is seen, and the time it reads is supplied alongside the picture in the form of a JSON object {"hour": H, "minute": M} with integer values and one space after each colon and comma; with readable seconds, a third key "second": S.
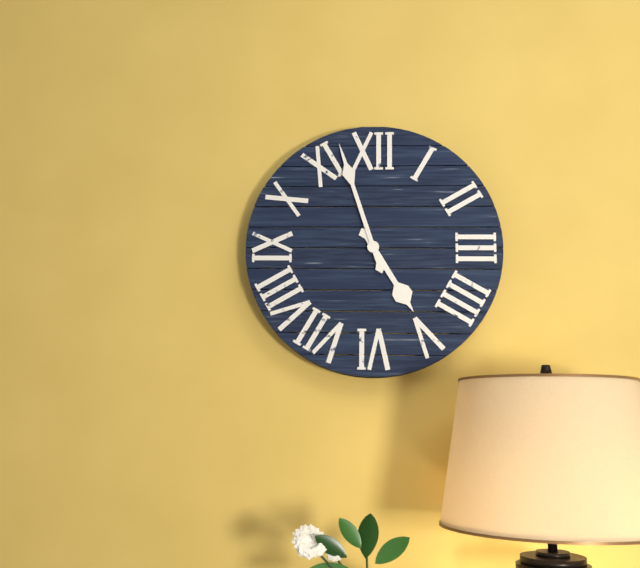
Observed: {"hour": 4, "minute": 57}
